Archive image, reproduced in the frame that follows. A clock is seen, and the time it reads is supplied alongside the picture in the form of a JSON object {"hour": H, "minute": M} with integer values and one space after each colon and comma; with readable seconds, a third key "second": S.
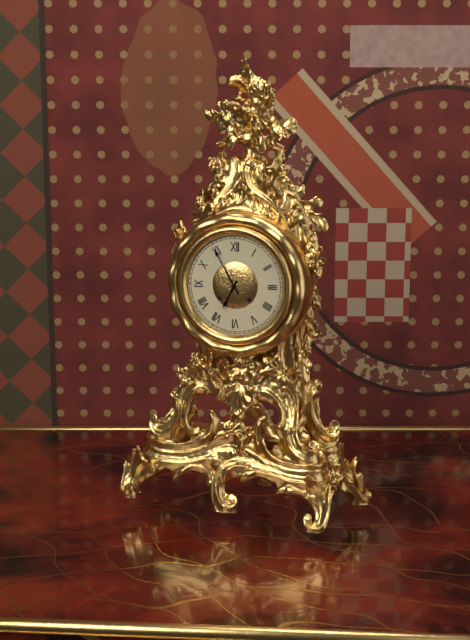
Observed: {"hour": 6, "minute": 55}
